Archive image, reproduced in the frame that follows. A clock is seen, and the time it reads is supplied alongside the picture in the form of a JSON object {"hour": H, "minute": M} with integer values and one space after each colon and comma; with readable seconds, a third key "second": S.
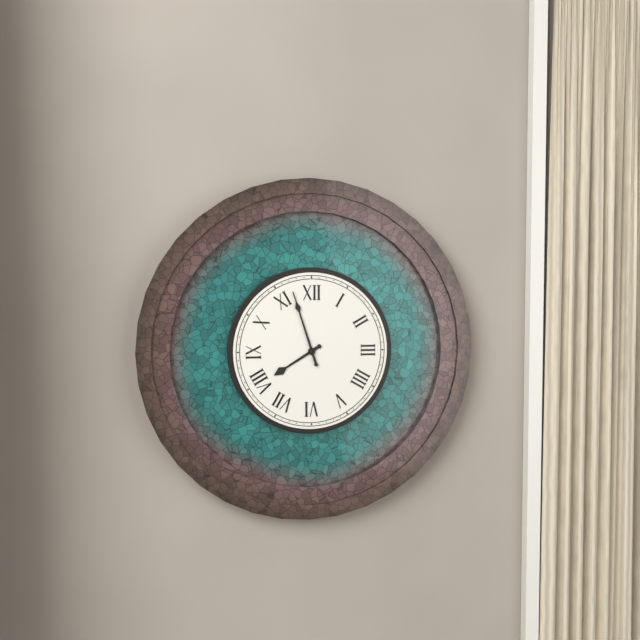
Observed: {"hour": 7, "minute": 57}
